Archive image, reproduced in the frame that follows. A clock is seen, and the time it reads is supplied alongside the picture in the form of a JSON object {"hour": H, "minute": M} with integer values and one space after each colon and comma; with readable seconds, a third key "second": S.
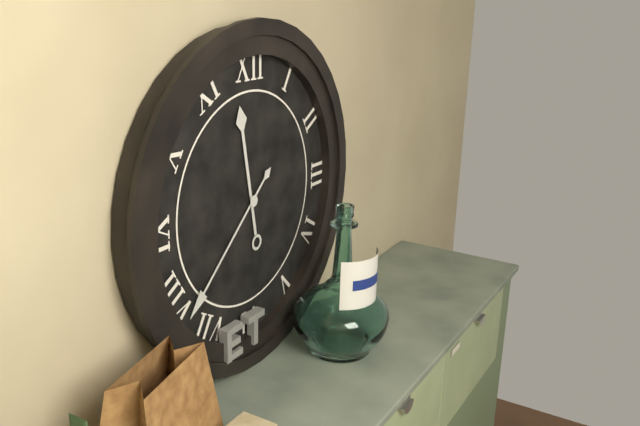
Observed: {"hour": 11, "minute": 38}
